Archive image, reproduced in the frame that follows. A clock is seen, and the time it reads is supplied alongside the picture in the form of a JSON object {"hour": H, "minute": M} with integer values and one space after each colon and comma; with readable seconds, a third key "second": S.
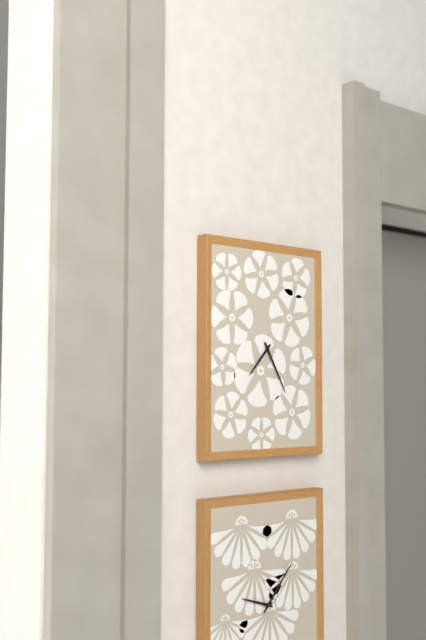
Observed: {"hour": 7, "minute": 25}
